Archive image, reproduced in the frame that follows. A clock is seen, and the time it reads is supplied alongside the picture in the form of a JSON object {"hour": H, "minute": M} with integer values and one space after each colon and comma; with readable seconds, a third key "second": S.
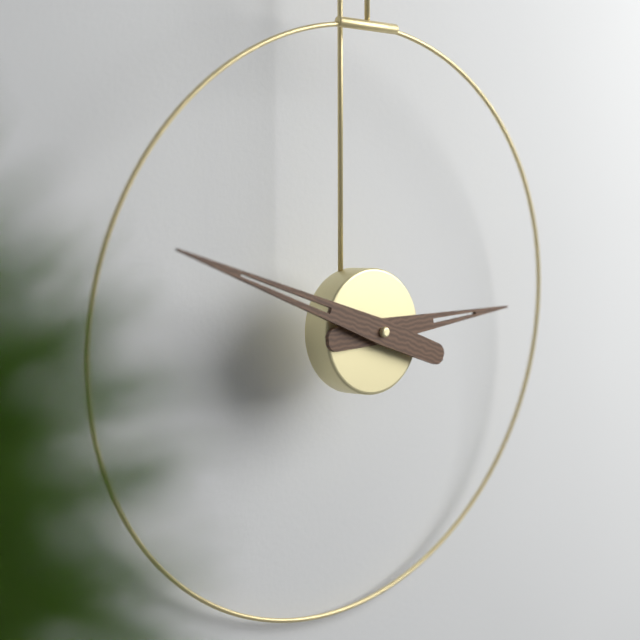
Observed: {"hour": 2, "minute": 48}
